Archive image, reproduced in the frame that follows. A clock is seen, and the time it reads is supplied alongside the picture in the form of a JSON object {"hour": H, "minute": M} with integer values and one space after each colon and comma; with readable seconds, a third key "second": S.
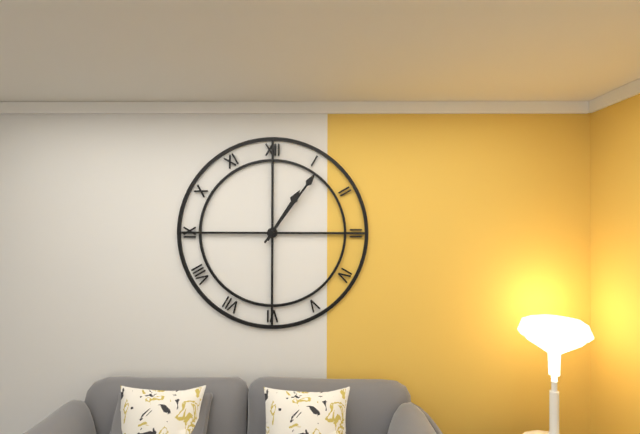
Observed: {"hour": 1, "minute": 6}
